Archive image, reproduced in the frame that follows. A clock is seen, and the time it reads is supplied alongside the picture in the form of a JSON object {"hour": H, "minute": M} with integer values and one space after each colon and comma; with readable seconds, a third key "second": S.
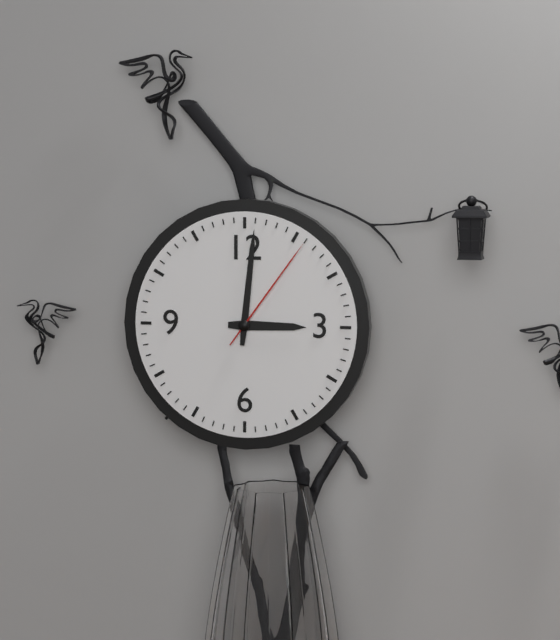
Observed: {"hour": 3, "minute": 1, "second": 6}
